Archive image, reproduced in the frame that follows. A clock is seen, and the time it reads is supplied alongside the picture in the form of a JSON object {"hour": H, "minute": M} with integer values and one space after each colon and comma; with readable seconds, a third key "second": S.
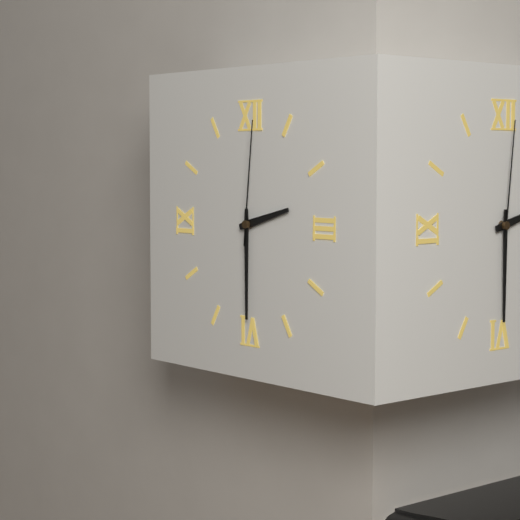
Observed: {"hour": 2, "minute": 30, "second": 1}
